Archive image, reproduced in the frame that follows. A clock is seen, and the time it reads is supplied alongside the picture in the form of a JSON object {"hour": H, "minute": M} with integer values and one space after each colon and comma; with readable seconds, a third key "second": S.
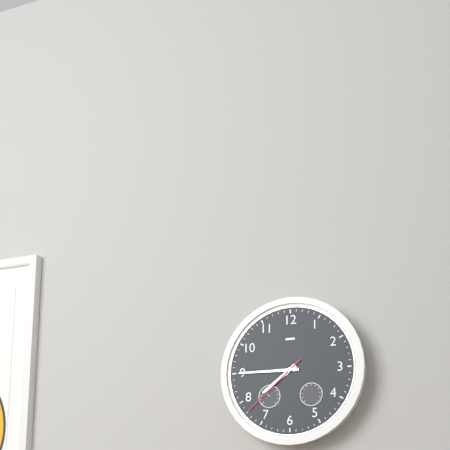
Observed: {"hour": 7, "minute": 45, "second": 38}
